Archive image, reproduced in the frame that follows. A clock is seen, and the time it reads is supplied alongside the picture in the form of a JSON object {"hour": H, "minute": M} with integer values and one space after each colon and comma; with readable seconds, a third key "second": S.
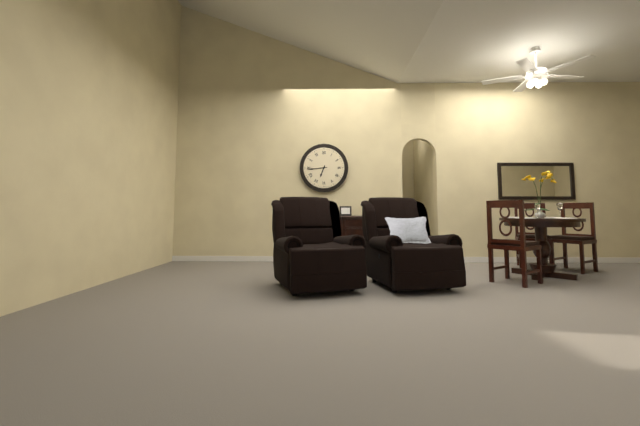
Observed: {"hour": 6, "minute": 44}
